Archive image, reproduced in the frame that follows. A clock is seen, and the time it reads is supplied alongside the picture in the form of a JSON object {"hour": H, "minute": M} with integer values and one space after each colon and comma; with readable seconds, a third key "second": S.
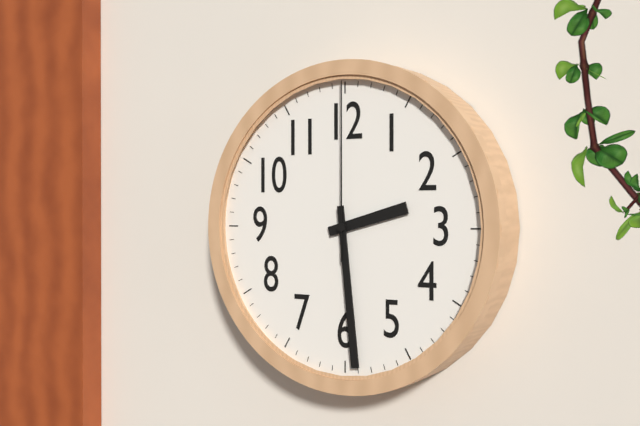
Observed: {"hour": 2, "minute": 29, "second": 0}
